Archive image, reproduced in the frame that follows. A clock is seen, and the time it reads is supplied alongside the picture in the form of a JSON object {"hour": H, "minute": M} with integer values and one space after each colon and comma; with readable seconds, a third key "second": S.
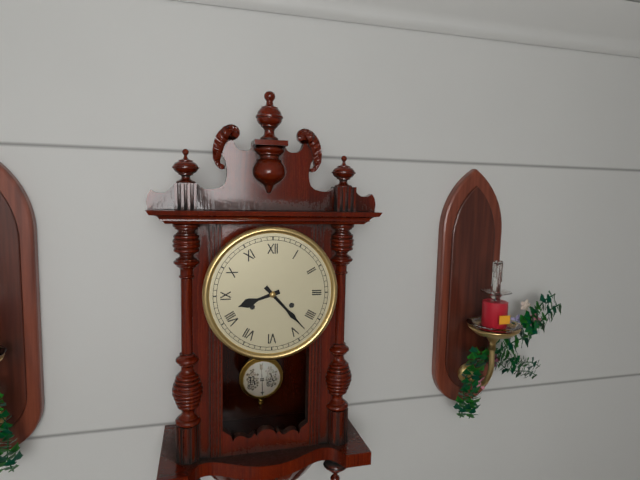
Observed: {"hour": 8, "minute": 23}
